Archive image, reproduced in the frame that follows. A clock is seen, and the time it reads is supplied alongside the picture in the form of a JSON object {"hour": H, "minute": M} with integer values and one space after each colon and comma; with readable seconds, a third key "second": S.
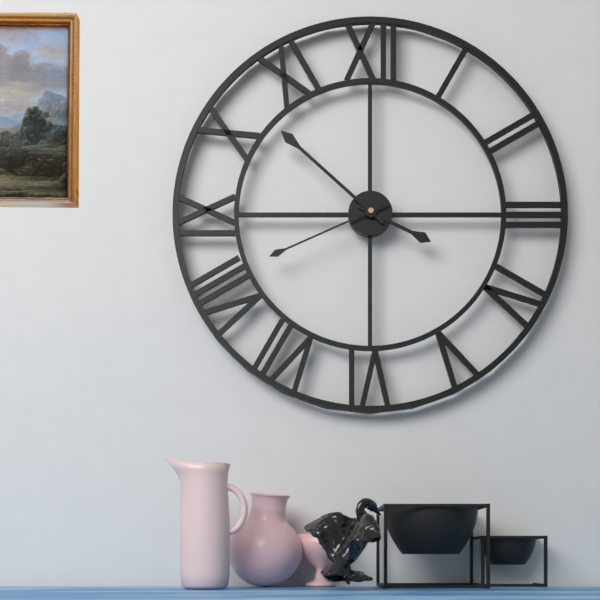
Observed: {"hour": 3, "minute": 52, "second": 41}
